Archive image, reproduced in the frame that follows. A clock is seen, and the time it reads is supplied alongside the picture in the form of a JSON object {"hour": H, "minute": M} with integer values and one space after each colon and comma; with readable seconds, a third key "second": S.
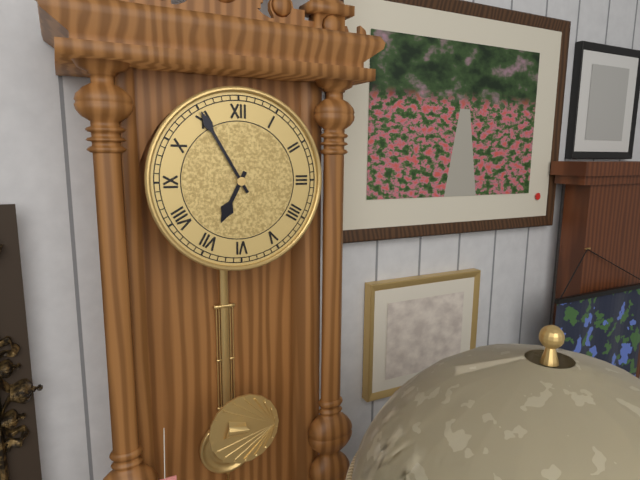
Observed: {"hour": 6, "minute": 55}
